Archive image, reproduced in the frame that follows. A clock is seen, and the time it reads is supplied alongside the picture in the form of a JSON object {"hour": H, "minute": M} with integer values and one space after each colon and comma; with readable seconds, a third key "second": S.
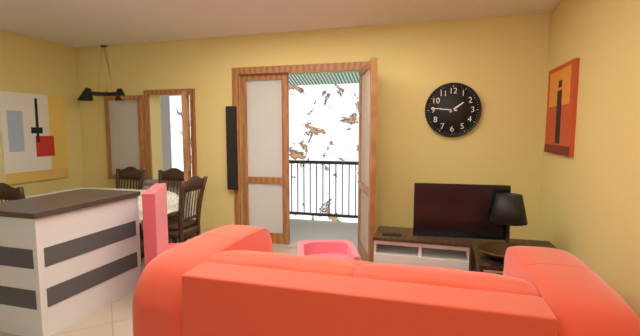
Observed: {"hour": 1, "minute": 46}
